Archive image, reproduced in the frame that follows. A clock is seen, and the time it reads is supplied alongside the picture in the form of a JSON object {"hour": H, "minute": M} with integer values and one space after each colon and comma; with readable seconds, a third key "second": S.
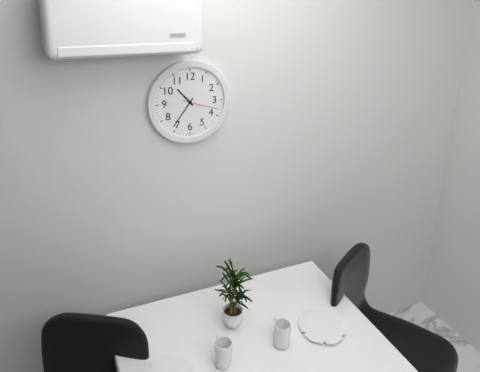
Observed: {"hour": 10, "minute": 36}
